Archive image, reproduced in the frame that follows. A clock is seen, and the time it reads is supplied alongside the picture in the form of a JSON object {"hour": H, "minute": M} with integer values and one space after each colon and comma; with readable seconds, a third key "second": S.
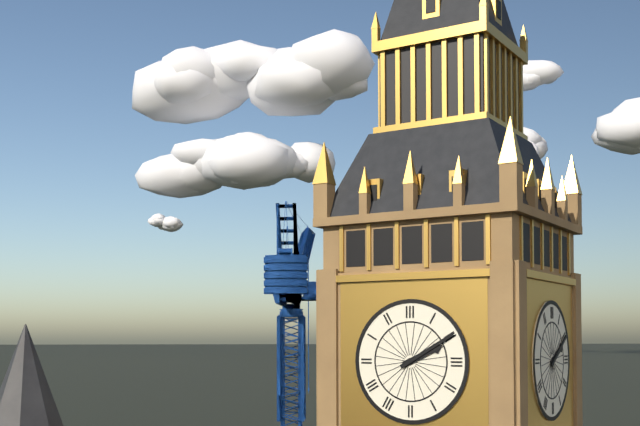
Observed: {"hour": 2, "minute": 10}
